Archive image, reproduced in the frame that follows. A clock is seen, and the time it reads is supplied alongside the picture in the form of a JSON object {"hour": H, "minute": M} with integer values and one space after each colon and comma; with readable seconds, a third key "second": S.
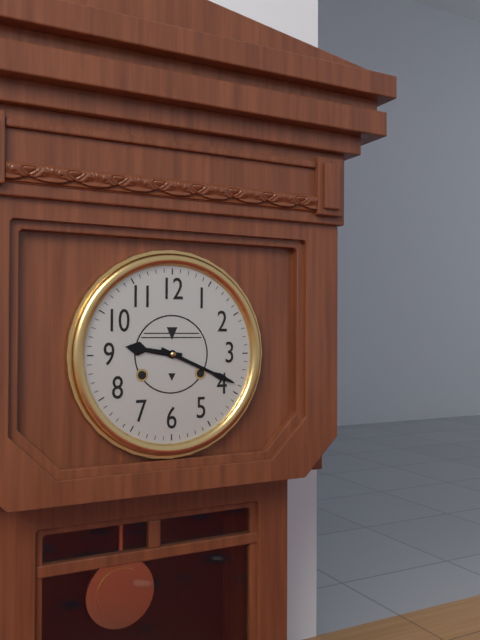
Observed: {"hour": 9, "minute": 19}
